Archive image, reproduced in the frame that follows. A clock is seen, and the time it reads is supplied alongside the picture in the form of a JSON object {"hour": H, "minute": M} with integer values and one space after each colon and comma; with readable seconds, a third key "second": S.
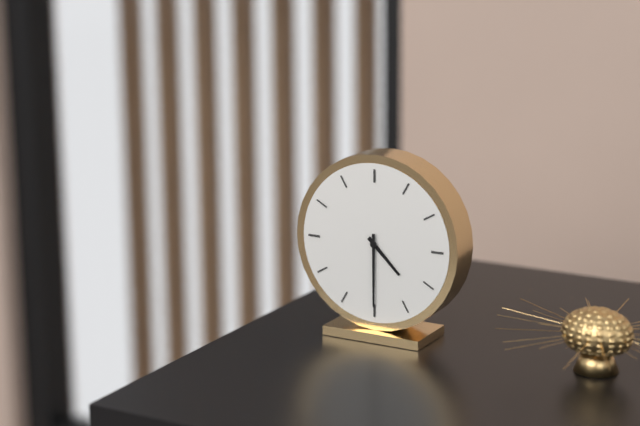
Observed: {"hour": 4, "minute": 30}
